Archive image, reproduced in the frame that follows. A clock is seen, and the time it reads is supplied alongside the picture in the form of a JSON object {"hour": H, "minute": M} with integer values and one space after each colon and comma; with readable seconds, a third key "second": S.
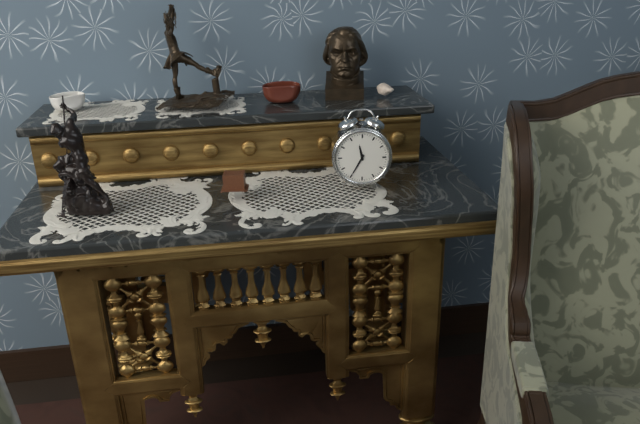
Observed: {"hour": 11, "minute": 35}
